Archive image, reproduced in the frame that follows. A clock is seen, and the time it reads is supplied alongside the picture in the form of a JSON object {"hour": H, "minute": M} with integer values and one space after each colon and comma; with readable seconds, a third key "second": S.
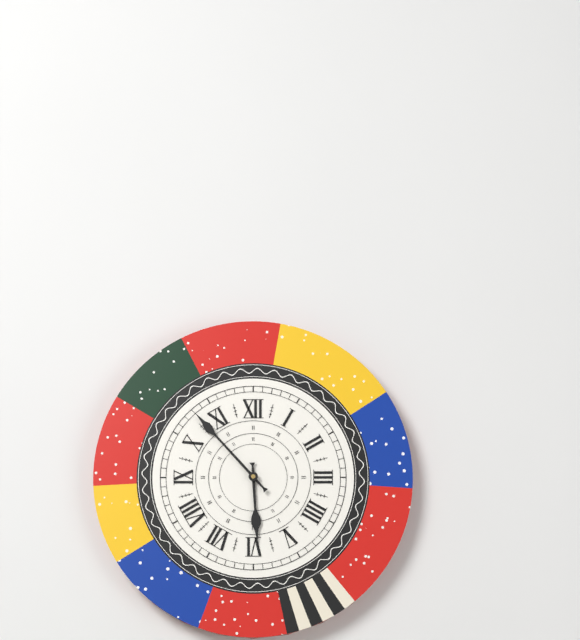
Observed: {"hour": 5, "minute": 53}
